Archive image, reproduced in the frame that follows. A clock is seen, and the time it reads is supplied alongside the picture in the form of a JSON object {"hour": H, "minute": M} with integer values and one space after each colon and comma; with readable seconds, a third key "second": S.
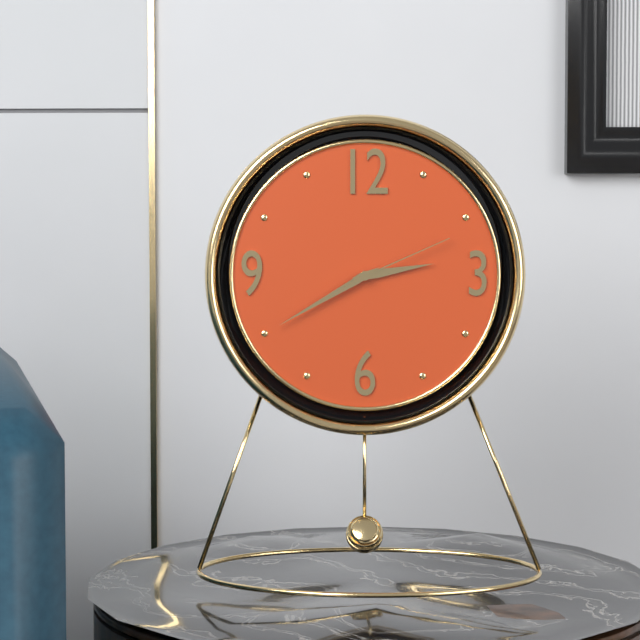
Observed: {"hour": 2, "minute": 40, "second": 11}
